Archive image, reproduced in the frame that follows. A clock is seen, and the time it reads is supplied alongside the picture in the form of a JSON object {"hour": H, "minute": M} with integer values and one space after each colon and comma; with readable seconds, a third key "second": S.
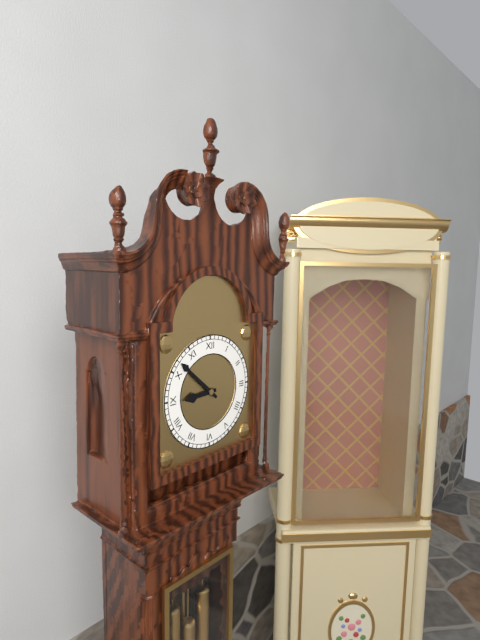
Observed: {"hour": 8, "minute": 52}
